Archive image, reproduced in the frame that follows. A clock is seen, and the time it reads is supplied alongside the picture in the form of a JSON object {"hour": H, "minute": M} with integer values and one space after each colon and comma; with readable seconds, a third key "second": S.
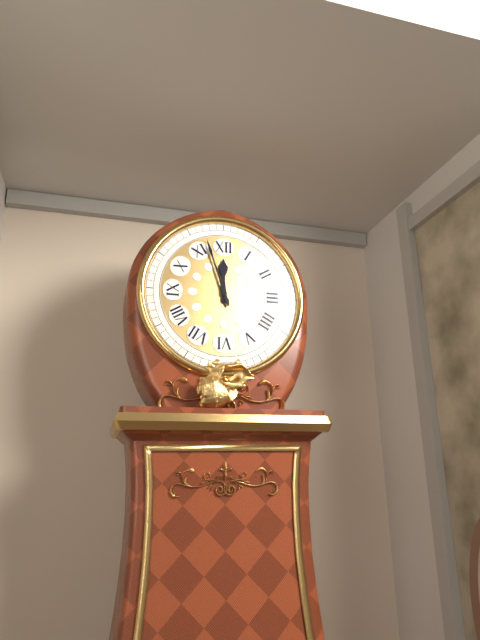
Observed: {"hour": 11, "minute": 57}
